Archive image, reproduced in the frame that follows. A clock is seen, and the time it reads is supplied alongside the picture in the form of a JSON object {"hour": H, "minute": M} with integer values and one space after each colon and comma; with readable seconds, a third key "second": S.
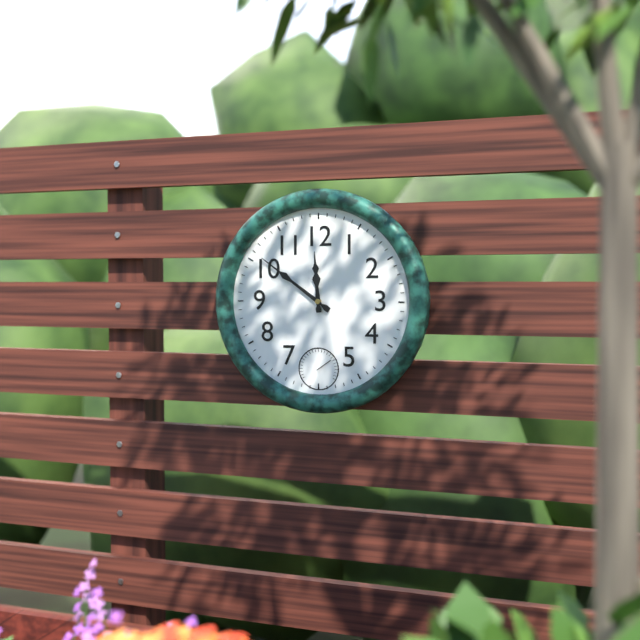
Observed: {"hour": 11, "minute": 51}
